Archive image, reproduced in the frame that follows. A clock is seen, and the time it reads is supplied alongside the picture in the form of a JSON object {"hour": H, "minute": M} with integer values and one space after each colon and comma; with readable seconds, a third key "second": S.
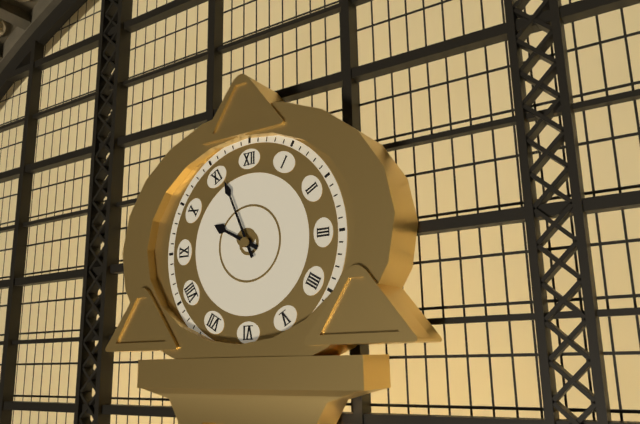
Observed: {"hour": 9, "minute": 56}
